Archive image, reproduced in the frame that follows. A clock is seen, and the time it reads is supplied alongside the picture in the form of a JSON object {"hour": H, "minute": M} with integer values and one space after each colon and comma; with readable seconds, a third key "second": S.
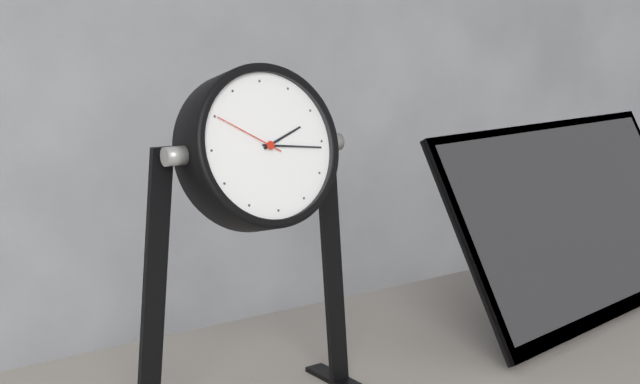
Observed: {"hour": 2, "minute": 16, "second": 50}
